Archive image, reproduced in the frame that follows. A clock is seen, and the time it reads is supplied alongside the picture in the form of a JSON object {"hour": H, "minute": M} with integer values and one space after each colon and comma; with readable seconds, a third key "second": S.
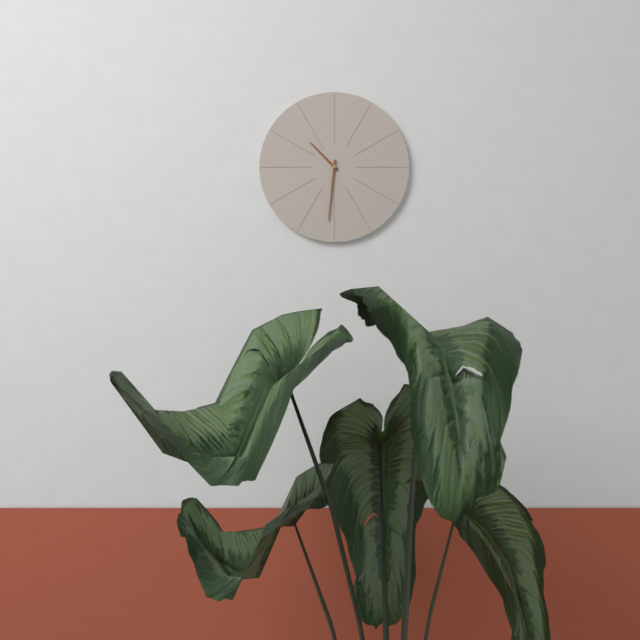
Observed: {"hour": 10, "minute": 31}
